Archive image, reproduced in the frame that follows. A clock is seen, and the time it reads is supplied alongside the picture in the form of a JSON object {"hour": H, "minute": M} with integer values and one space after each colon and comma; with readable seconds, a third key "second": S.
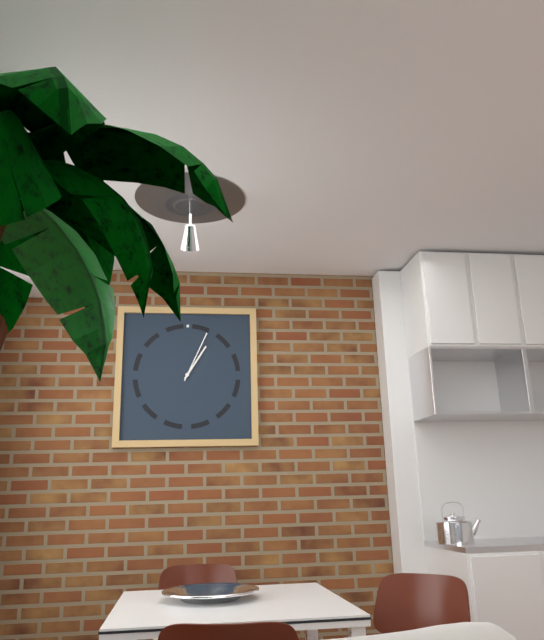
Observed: {"hour": 1, "minute": 4}
